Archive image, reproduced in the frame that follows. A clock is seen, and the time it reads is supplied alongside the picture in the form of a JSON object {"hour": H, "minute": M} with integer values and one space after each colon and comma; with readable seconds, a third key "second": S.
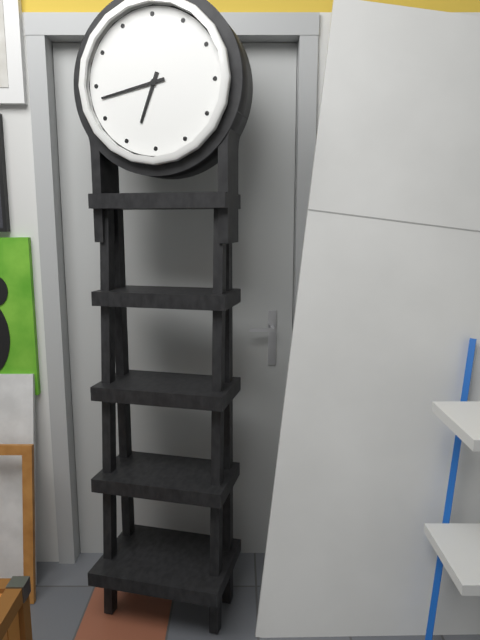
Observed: {"hour": 6, "minute": 43}
